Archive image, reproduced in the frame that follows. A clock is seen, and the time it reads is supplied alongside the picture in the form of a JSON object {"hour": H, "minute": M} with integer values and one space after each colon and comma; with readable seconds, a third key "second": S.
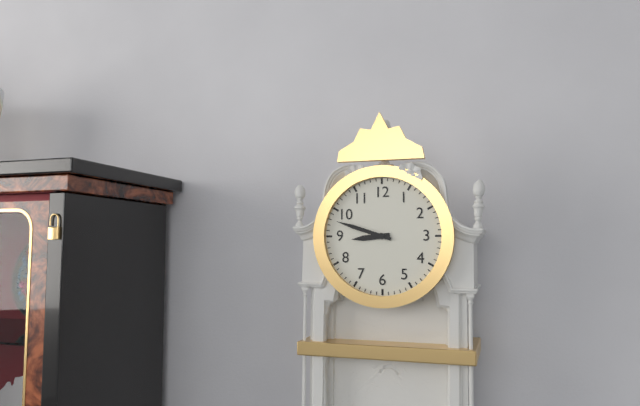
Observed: {"hour": 8, "minute": 48}
